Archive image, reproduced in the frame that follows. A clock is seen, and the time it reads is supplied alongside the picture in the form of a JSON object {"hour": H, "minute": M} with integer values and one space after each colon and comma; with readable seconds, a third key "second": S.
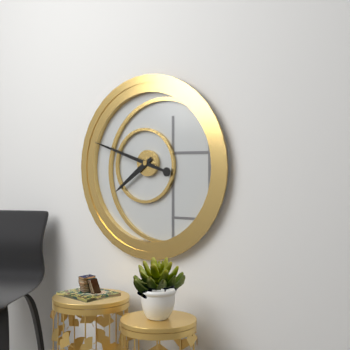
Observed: {"hour": 7, "minute": 48}
